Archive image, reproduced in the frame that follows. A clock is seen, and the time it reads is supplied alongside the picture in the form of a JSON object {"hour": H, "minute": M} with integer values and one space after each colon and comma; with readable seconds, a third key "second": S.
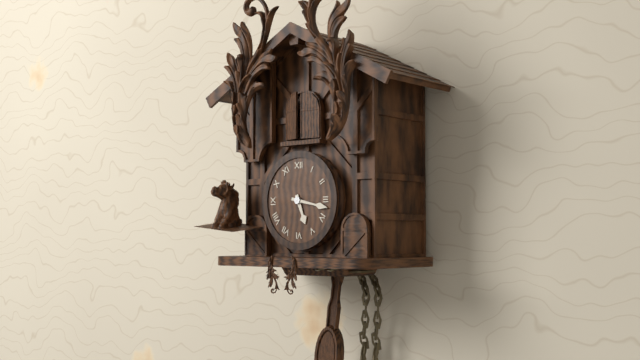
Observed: {"hour": 5, "minute": 17}
